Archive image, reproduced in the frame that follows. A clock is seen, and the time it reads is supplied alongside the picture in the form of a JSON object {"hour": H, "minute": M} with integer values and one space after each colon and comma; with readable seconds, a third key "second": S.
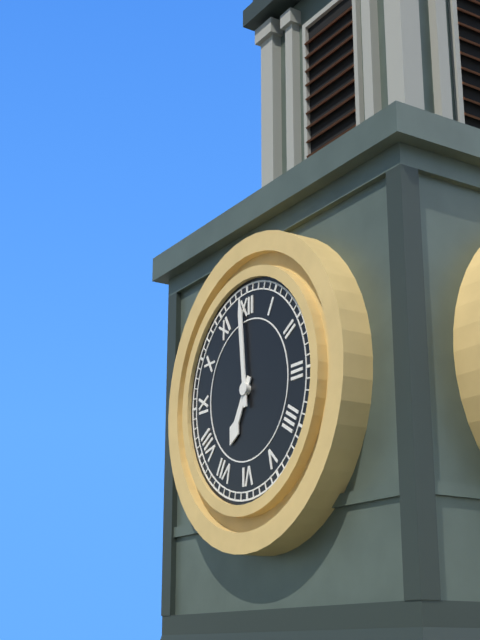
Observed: {"hour": 6, "minute": 59}
